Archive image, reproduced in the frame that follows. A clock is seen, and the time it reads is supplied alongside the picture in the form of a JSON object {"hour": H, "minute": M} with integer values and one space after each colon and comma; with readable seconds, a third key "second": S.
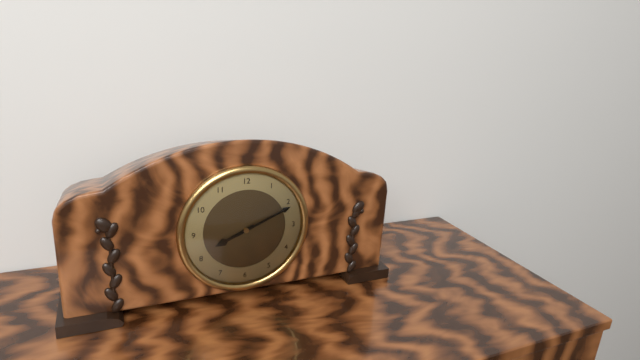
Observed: {"hour": 8, "minute": 11}
